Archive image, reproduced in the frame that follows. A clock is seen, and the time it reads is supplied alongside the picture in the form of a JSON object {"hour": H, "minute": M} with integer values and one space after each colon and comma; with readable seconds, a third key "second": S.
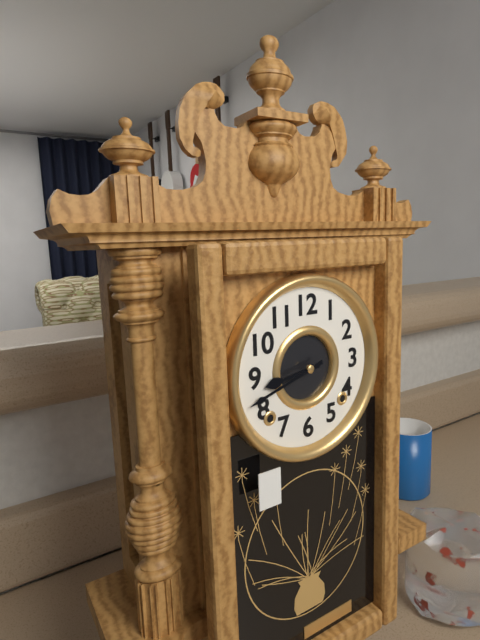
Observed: {"hour": 8, "minute": 42}
